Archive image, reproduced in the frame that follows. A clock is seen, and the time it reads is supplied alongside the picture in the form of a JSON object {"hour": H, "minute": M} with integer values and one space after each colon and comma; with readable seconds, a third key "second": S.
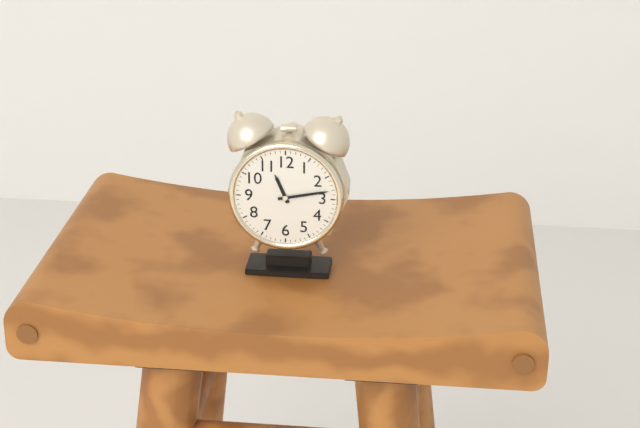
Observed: {"hour": 11, "minute": 13}
